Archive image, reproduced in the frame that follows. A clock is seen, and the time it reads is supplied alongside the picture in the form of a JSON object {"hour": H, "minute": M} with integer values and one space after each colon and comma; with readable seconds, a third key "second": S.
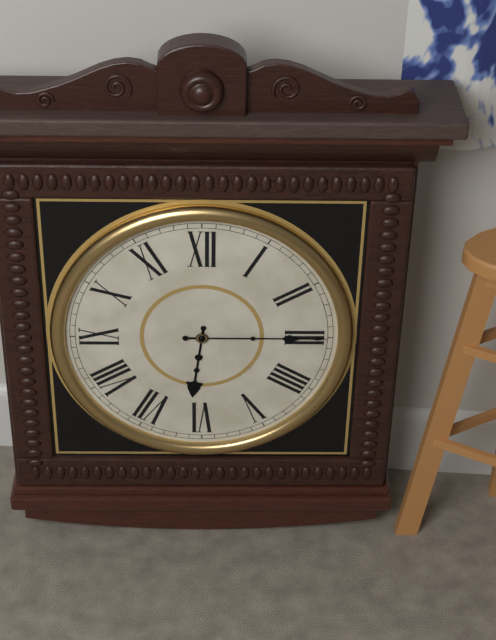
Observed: {"hour": 6, "minute": 15}
